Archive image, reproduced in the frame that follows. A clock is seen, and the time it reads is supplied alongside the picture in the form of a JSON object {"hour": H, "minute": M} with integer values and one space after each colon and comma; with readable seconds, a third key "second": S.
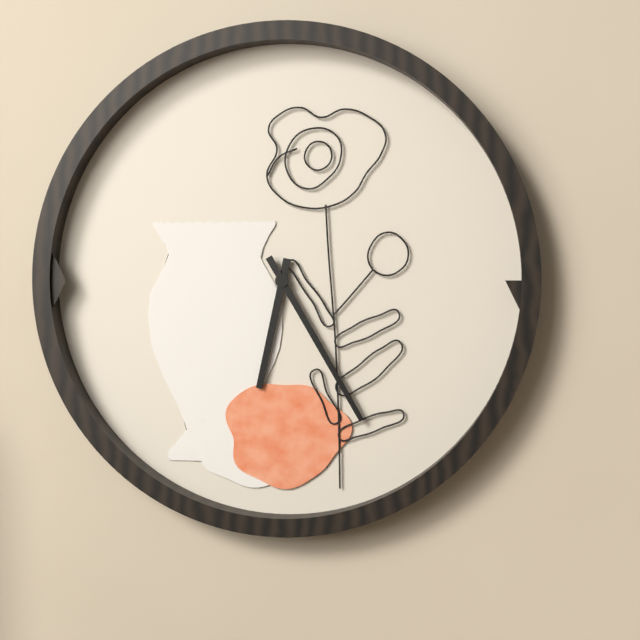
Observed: {"hour": 6, "minute": 25}
